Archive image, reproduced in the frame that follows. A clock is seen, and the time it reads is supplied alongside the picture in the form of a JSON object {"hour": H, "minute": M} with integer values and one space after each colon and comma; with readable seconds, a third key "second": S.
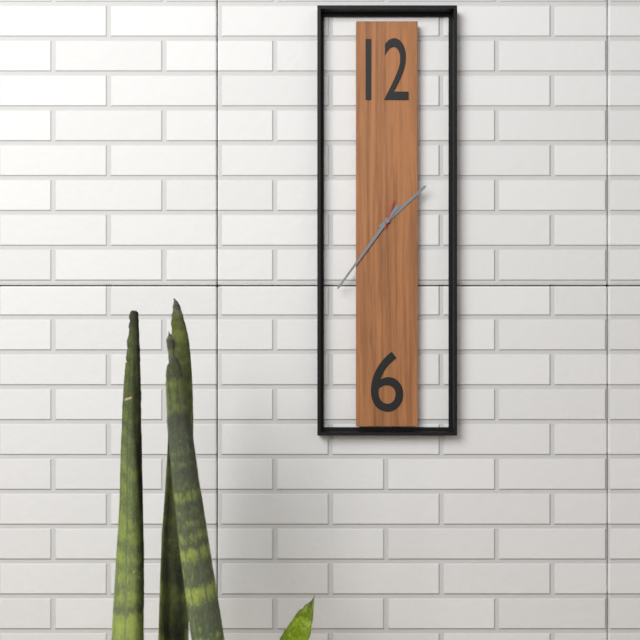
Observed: {"hour": 1, "minute": 36}
